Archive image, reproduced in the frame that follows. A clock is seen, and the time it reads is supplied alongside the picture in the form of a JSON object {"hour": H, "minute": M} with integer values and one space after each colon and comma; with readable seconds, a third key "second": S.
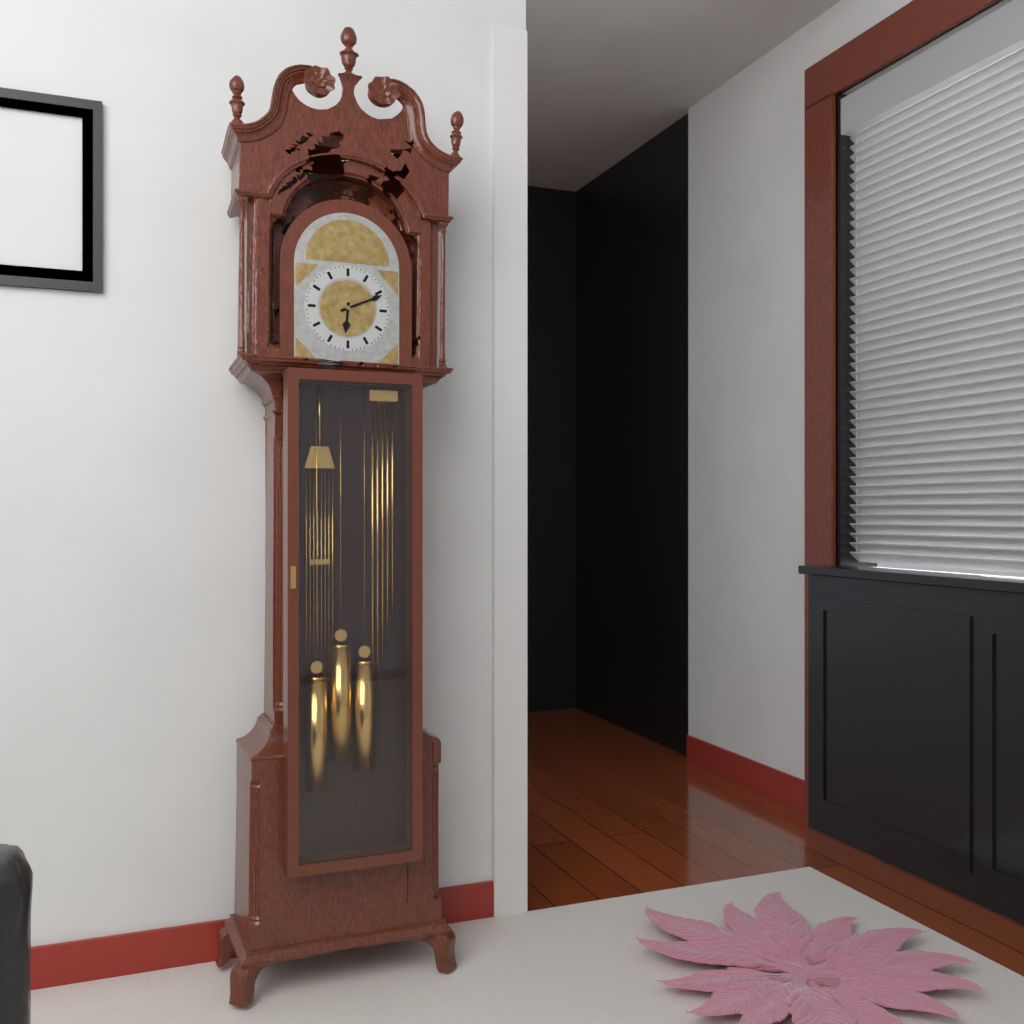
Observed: {"hour": 6, "minute": 11}
